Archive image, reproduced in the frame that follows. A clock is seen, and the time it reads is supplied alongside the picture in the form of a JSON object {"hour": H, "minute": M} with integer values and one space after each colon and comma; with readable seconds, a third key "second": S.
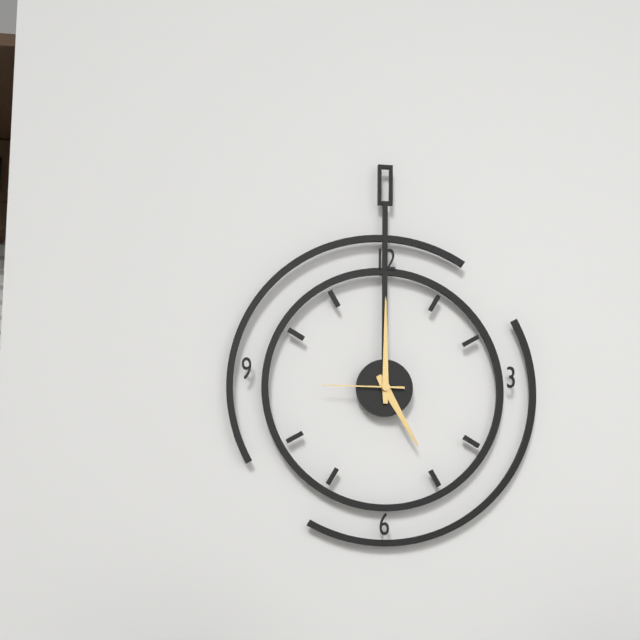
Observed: {"hour": 5, "minute": 0, "second": 45}
